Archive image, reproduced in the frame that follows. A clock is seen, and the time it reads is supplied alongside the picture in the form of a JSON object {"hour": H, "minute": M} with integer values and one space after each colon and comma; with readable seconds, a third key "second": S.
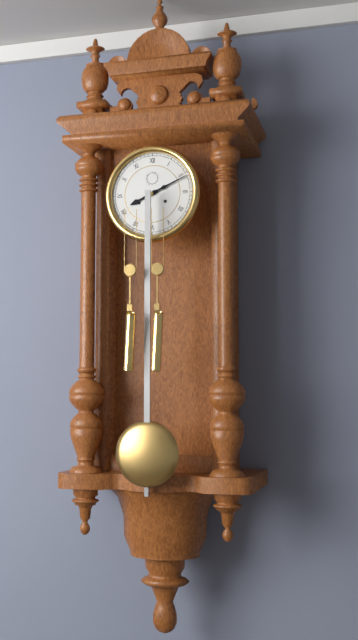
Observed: {"hour": 8, "minute": 11}
